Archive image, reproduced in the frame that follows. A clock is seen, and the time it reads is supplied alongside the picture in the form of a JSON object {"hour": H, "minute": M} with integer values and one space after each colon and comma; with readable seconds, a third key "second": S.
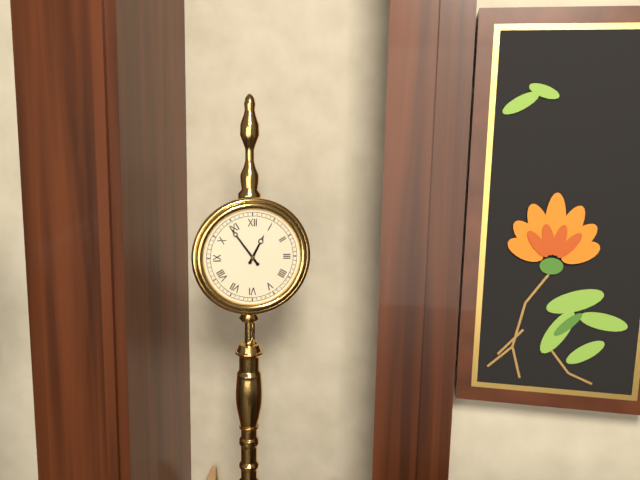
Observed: {"hour": 12, "minute": 54}
